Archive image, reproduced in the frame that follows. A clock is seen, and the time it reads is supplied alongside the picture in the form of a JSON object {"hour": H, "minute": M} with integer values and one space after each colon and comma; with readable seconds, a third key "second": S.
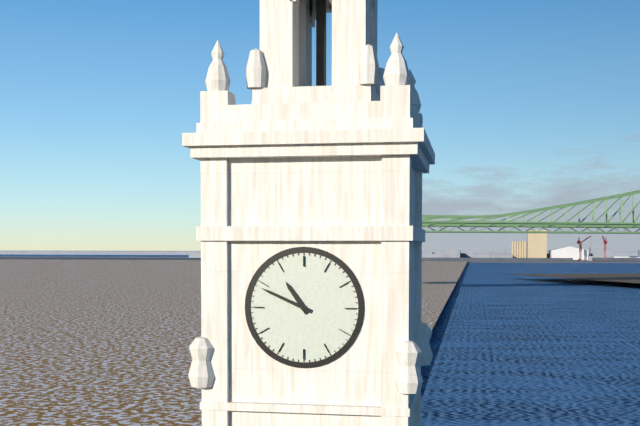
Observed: {"hour": 10, "minute": 49}
